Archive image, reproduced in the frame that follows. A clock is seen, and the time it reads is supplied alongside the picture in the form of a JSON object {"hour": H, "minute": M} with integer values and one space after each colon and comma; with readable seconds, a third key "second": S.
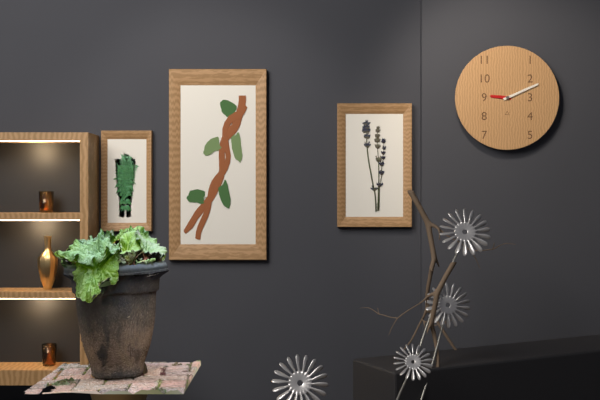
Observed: {"hour": 9, "minute": 11}
